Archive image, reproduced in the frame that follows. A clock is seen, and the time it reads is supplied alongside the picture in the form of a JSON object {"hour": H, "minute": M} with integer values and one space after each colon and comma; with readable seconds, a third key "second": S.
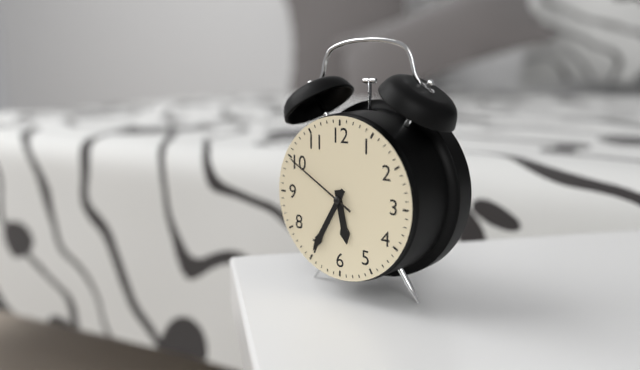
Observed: {"hour": 5, "minute": 35, "second": 50}
